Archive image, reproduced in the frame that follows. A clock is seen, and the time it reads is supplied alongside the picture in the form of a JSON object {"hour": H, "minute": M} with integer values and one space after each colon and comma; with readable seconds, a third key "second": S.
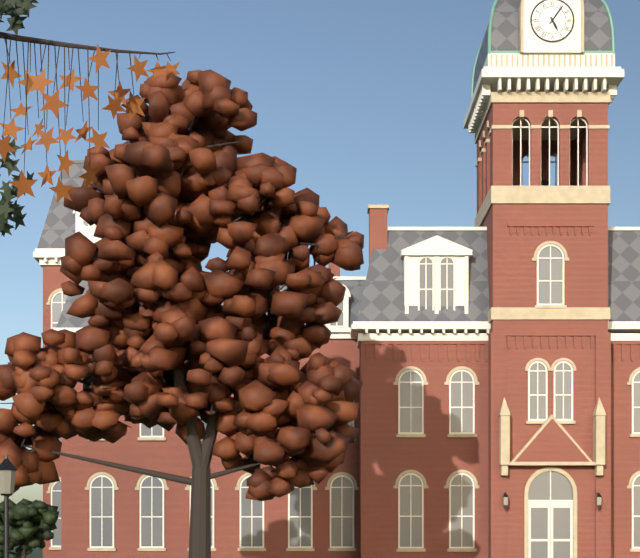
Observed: {"hour": 5, "minute": 6}
